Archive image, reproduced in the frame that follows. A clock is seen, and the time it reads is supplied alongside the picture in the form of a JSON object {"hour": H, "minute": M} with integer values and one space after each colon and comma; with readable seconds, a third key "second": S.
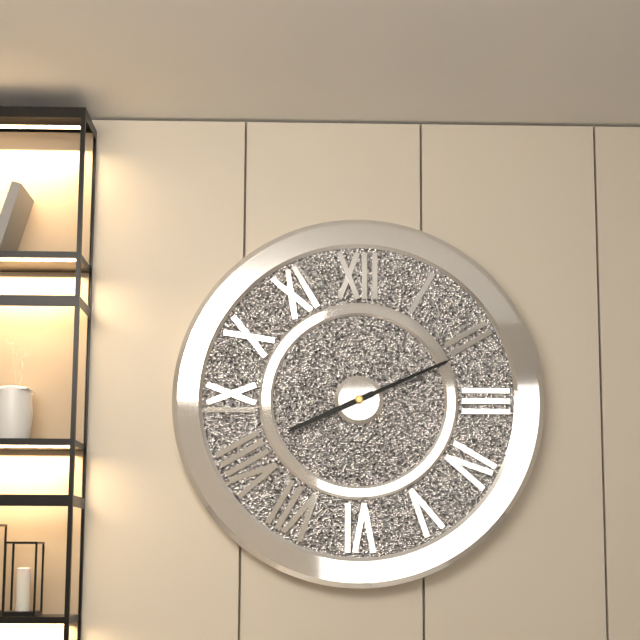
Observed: {"hour": 8, "minute": 11}
